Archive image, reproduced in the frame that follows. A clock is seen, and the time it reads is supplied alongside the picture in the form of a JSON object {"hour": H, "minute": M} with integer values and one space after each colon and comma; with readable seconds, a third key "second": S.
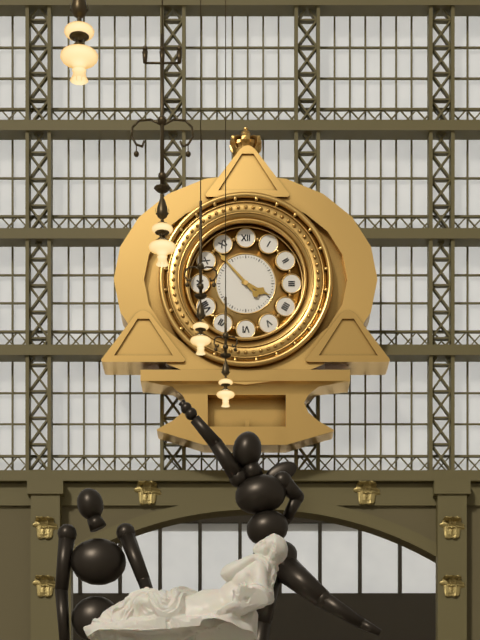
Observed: {"hour": 3, "minute": 53}
